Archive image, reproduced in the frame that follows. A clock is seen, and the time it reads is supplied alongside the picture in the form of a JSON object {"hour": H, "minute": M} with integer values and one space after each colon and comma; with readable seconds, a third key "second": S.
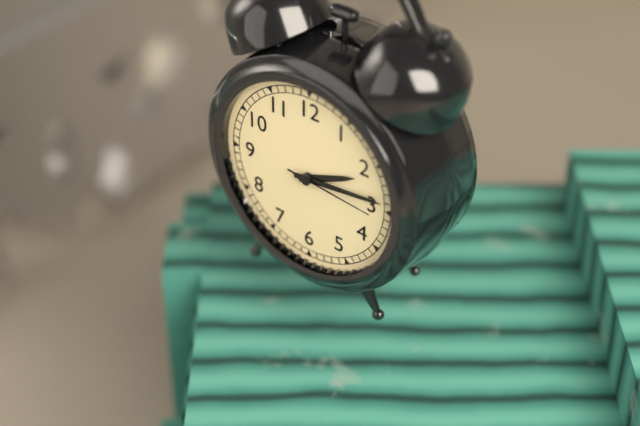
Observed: {"hour": 2, "minute": 14, "second": 16}
